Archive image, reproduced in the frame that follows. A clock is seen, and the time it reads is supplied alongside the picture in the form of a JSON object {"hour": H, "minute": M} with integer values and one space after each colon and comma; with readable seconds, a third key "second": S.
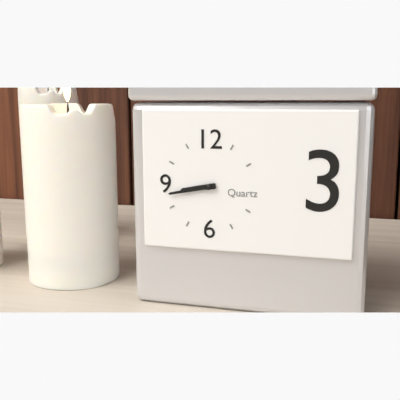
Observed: {"hour": 8, "minute": 43}
